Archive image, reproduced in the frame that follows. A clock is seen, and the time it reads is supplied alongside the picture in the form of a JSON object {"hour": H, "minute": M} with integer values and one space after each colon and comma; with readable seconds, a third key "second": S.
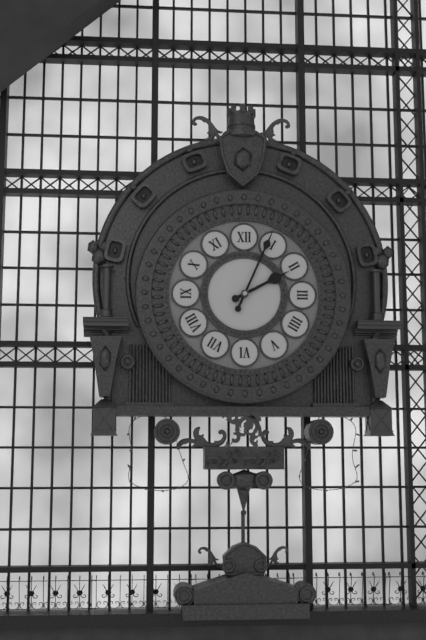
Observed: {"hour": 2, "minute": 4}
